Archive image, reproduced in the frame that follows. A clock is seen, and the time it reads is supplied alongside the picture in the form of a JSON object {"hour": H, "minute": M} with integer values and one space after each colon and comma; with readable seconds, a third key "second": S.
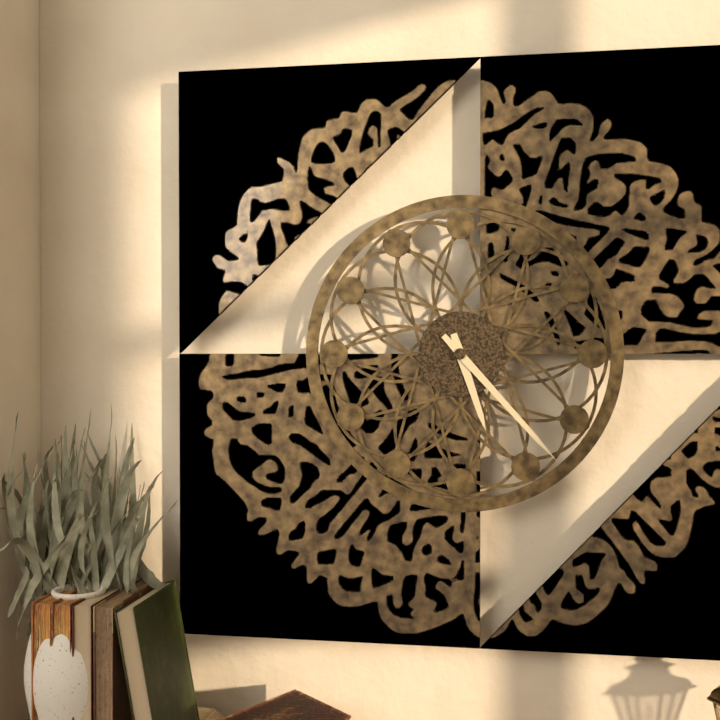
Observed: {"hour": 5, "minute": 23}
